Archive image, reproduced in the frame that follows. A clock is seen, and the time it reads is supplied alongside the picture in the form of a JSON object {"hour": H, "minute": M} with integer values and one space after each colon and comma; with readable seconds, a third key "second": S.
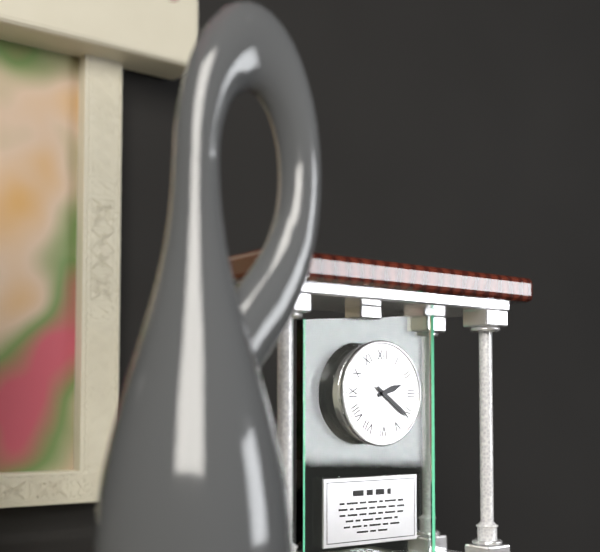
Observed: {"hour": 2, "minute": 21}
